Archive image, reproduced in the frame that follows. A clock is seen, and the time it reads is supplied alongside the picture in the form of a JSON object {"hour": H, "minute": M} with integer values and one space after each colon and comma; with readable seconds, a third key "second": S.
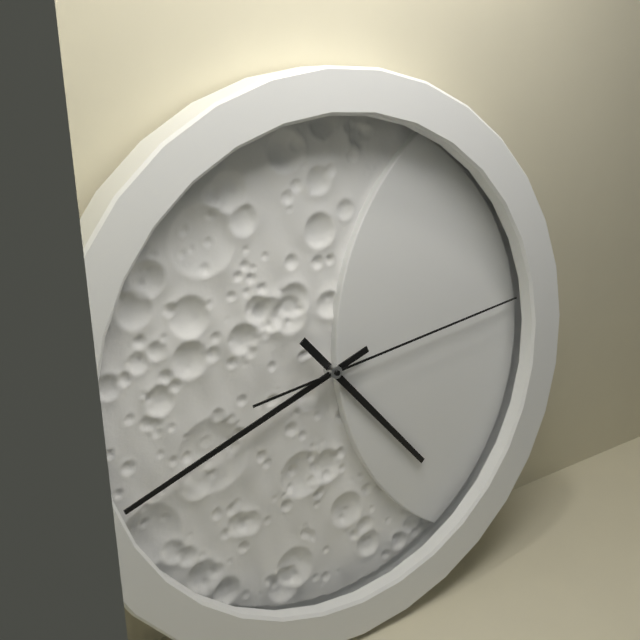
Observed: {"hour": 4, "minute": 42, "second": 14}
